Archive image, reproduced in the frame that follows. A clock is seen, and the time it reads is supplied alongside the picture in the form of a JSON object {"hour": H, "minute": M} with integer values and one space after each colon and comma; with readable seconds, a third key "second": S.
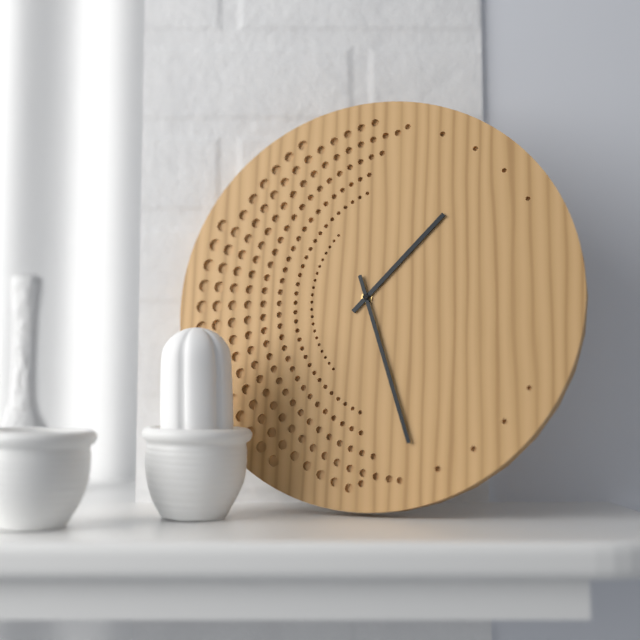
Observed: {"hour": 1, "minute": 27}
